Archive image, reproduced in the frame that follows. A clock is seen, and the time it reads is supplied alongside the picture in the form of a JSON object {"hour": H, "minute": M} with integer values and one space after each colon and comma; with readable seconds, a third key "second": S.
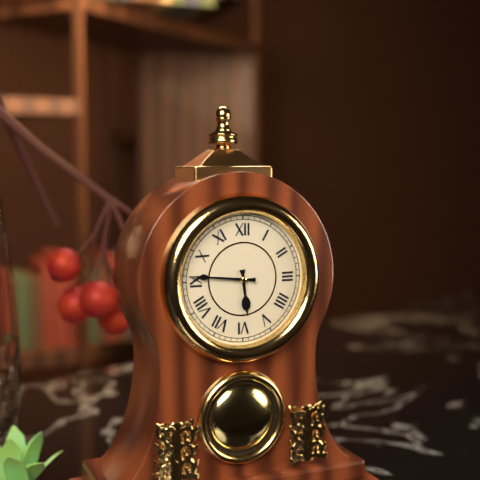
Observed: {"hour": 5, "minute": 46}
